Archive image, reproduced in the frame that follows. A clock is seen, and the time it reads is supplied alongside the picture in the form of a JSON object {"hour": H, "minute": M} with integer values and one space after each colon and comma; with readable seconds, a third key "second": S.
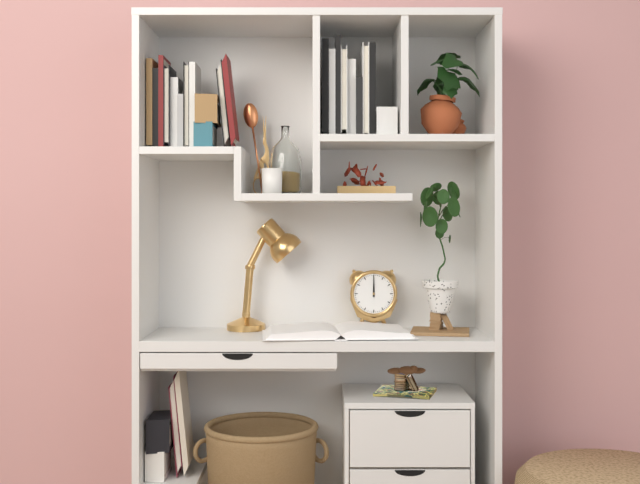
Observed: {"hour": 12, "minute": 0}
